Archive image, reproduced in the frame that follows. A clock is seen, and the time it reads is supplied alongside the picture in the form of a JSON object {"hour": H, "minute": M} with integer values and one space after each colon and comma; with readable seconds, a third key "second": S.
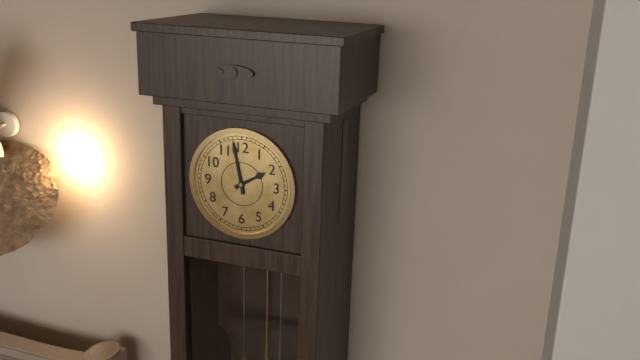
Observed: {"hour": 1, "minute": 58}
